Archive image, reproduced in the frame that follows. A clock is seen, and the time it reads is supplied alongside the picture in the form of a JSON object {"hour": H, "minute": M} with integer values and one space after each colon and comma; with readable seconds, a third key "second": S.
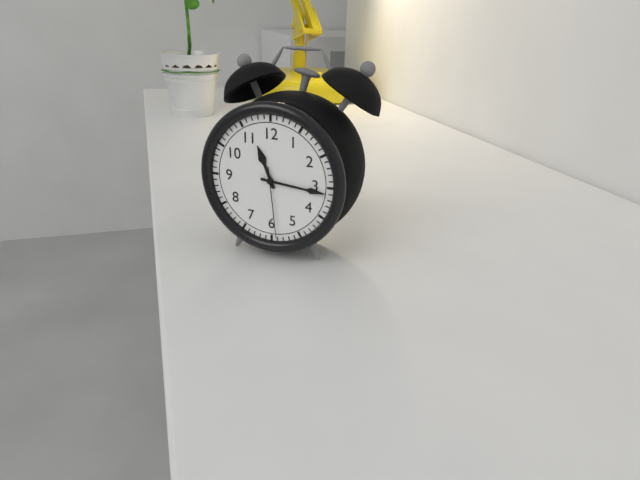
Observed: {"hour": 11, "minute": 16, "second": 29}
